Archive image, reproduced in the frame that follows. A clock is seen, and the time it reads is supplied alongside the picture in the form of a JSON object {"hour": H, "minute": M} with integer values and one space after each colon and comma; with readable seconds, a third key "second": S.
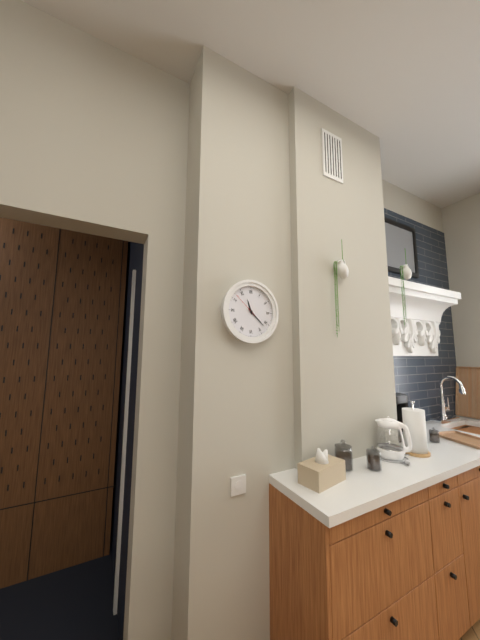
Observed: {"hour": 11, "minute": 22}
